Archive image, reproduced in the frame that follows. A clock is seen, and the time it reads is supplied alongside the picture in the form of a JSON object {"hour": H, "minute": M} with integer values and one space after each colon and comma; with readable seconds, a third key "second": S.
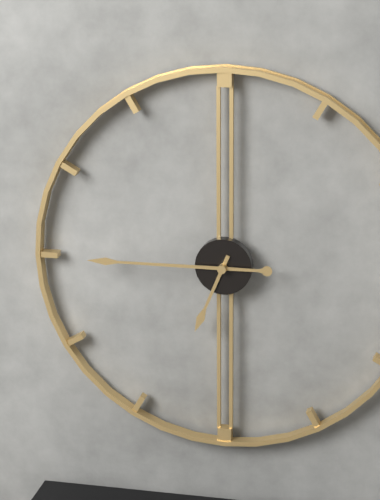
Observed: {"hour": 6, "minute": 45}
